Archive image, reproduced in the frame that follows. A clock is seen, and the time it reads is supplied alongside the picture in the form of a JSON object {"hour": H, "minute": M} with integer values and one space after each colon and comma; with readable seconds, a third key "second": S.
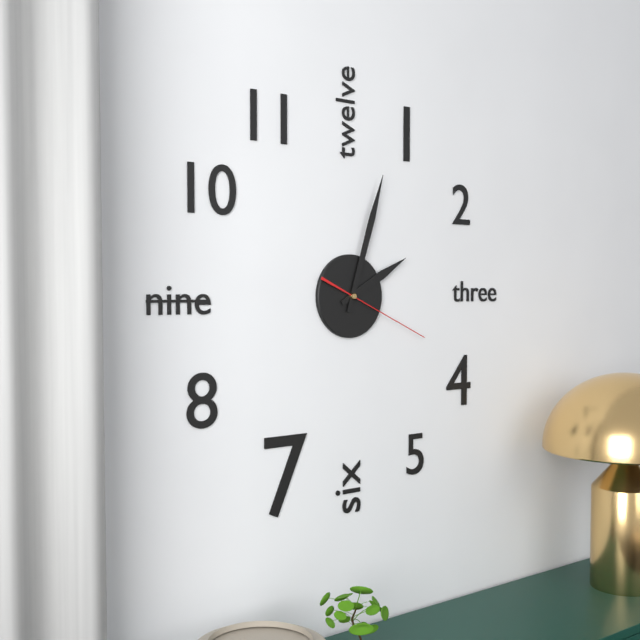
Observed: {"hour": 2, "minute": 3, "second": 19}
